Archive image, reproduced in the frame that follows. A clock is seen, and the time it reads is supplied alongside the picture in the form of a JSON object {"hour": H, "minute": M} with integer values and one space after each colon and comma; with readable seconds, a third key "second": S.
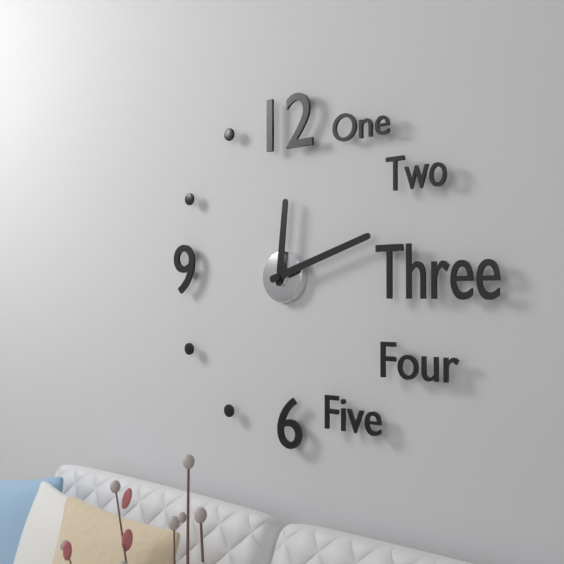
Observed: {"hour": 12, "minute": 12}
